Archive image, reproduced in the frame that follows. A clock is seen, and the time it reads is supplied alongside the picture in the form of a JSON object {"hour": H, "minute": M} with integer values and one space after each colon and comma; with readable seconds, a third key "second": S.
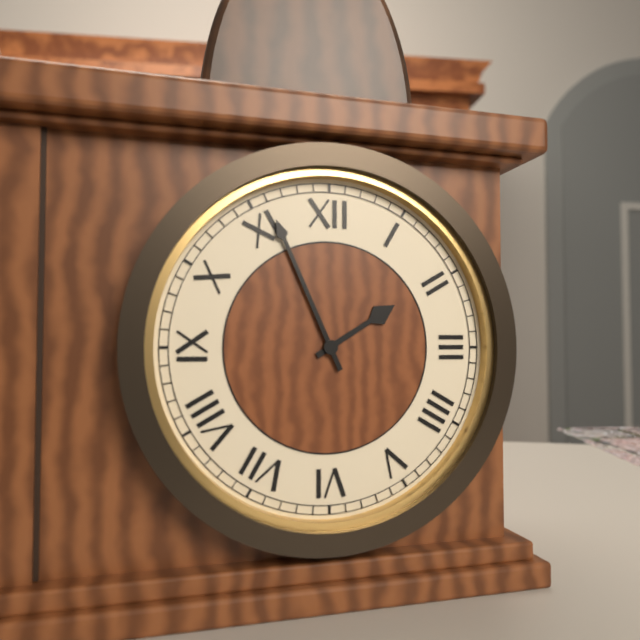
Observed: {"hour": 1, "minute": 56}
